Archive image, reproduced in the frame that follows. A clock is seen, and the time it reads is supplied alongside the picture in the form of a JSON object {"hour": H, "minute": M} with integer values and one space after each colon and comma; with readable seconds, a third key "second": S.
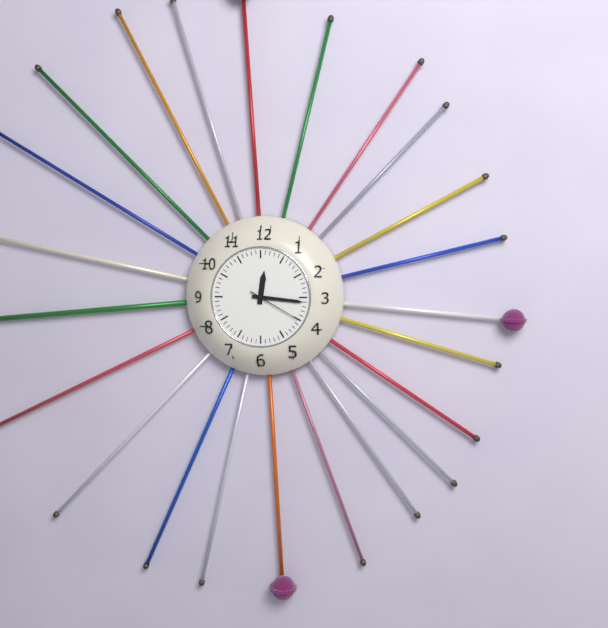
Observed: {"hour": 12, "minute": 16, "second": 20}
